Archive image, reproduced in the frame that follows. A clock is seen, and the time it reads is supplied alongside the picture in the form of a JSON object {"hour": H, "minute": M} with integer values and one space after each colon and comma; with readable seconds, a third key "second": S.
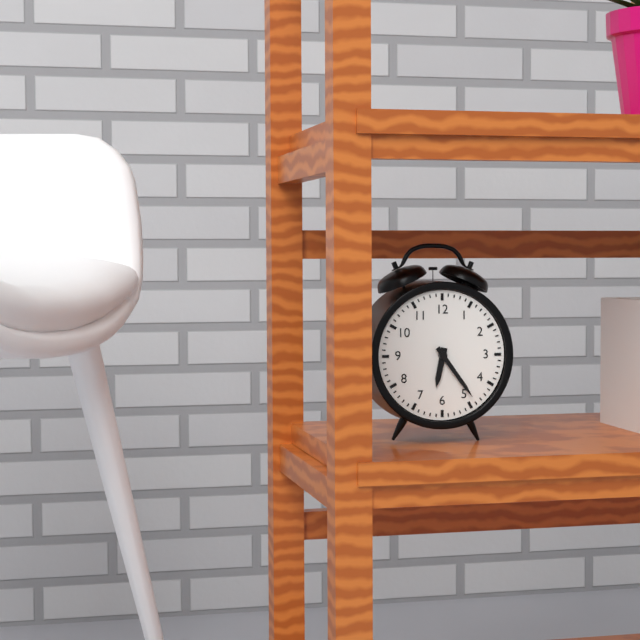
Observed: {"hour": 6, "minute": 24}
